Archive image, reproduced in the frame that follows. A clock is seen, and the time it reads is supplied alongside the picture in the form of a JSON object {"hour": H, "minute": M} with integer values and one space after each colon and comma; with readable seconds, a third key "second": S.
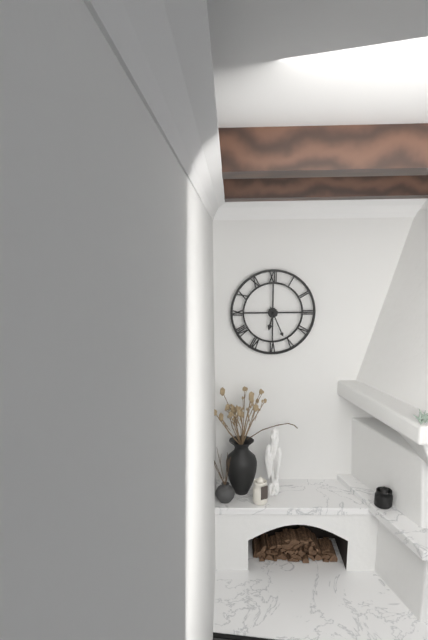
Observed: {"hour": 6, "minute": 26}
